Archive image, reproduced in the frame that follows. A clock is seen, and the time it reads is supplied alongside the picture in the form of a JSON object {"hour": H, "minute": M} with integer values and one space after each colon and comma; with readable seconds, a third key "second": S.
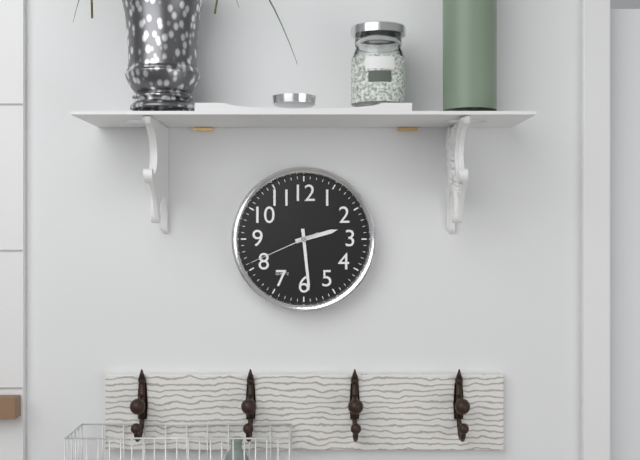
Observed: {"hour": 2, "minute": 29, "second": 41}
